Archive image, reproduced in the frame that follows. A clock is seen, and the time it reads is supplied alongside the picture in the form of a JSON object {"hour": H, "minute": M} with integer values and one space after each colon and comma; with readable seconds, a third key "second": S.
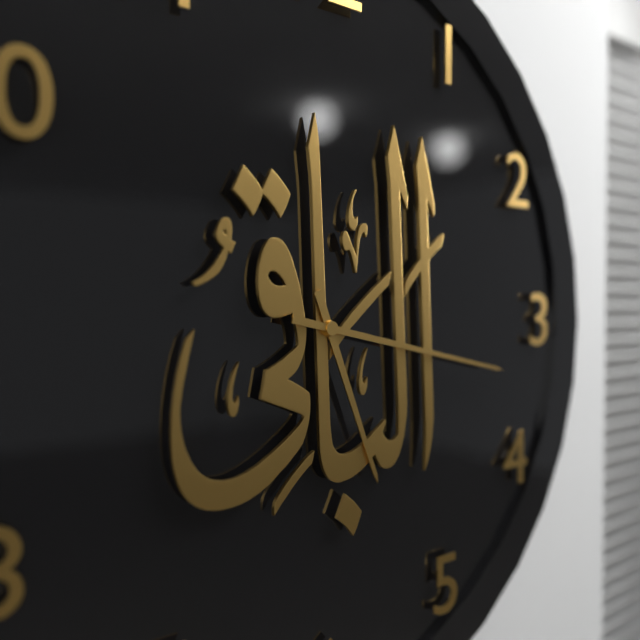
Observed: {"hour": 5, "minute": 17}
